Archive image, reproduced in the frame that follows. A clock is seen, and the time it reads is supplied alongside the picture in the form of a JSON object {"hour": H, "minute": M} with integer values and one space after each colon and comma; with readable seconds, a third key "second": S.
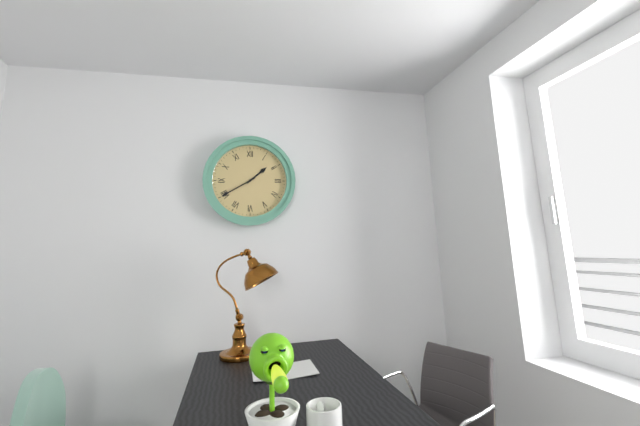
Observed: {"hour": 1, "minute": 40}
